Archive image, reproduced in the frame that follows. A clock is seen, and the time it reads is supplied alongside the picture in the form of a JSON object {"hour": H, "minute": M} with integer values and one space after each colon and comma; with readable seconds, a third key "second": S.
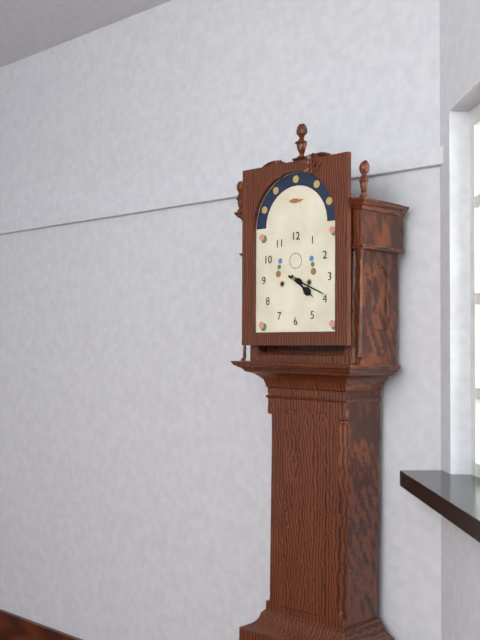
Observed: {"hour": 4, "minute": 19}
